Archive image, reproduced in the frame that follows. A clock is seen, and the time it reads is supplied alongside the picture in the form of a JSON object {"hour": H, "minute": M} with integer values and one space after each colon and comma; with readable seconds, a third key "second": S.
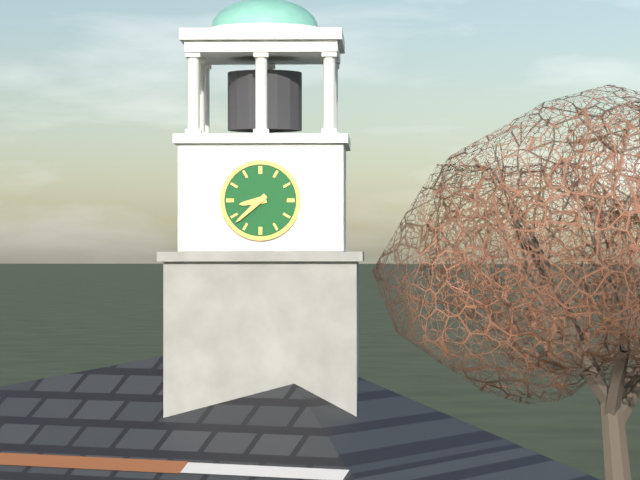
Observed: {"hour": 8, "minute": 38}
